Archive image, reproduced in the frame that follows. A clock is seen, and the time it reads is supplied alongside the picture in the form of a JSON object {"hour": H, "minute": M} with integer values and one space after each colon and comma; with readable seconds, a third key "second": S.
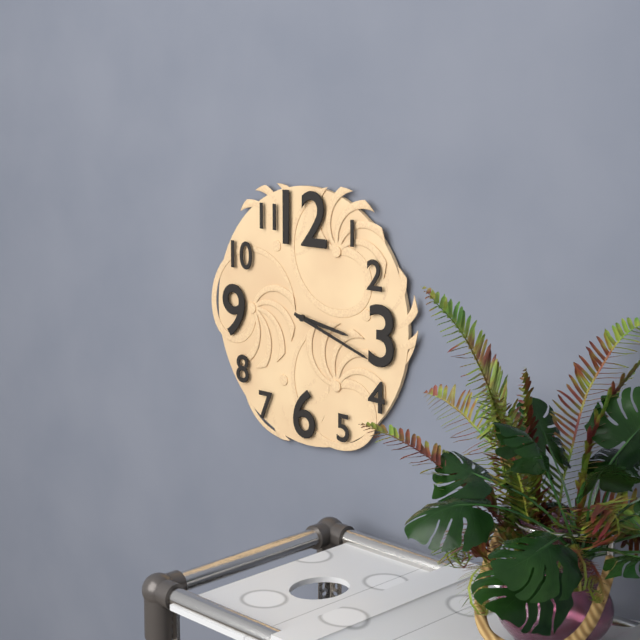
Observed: {"hour": 3, "minute": 18}
